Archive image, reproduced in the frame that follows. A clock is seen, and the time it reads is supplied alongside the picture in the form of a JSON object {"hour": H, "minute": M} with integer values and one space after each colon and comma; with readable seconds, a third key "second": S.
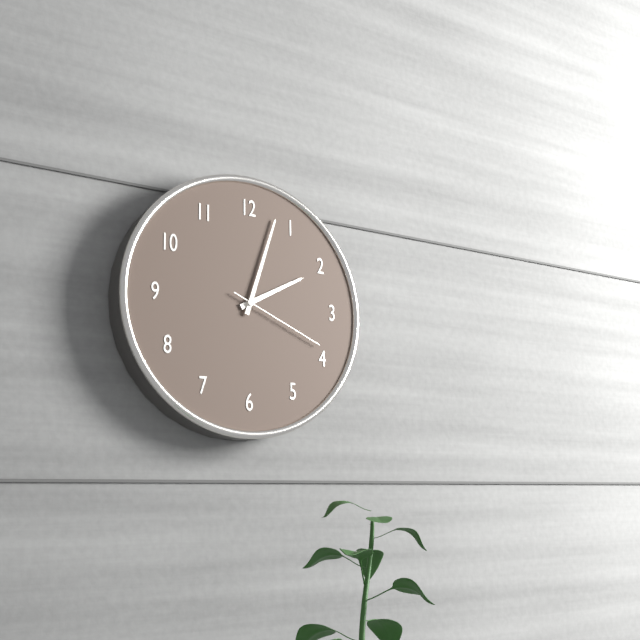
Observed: {"hour": 2, "minute": 3, "second": 19}
